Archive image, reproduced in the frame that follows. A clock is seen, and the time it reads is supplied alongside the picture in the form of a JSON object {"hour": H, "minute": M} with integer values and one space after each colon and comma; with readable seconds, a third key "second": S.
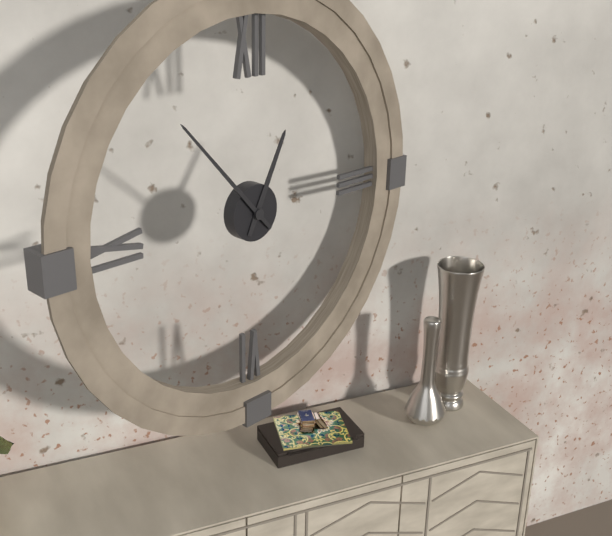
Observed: {"hour": 12, "minute": 53}
